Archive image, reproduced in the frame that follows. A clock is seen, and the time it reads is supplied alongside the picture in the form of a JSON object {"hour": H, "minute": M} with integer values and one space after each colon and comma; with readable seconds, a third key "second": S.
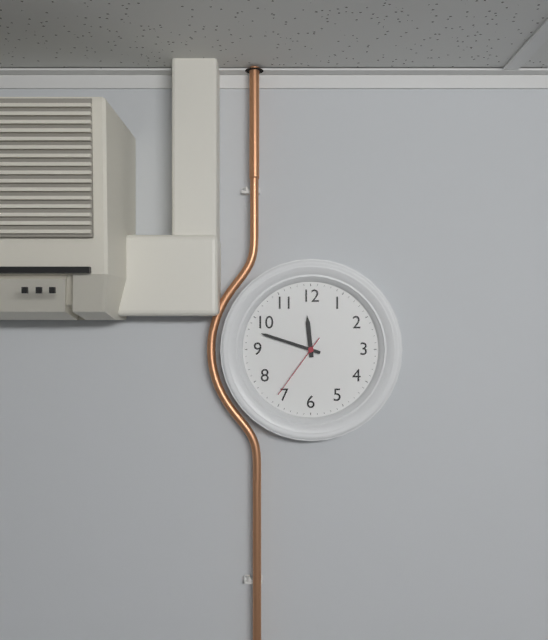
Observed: {"hour": 11, "minute": 48, "second": 36}
